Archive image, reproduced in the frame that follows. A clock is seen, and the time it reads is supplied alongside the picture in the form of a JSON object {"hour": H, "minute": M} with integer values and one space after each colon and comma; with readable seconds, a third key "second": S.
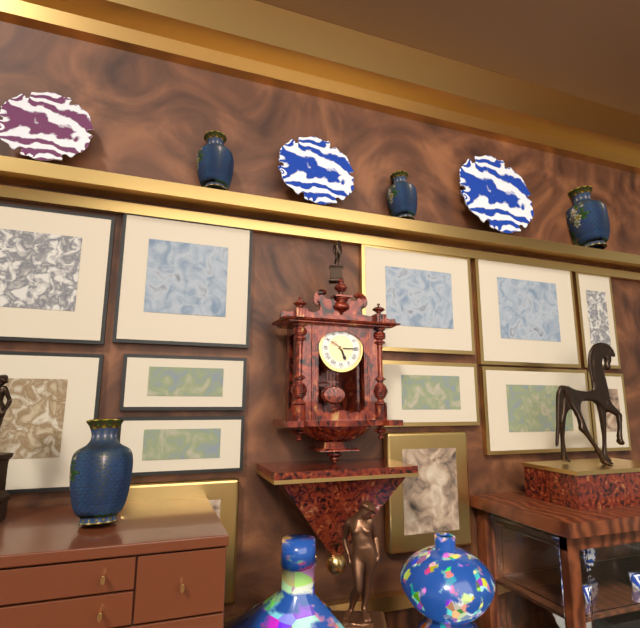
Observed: {"hour": 5, "minute": 15}
